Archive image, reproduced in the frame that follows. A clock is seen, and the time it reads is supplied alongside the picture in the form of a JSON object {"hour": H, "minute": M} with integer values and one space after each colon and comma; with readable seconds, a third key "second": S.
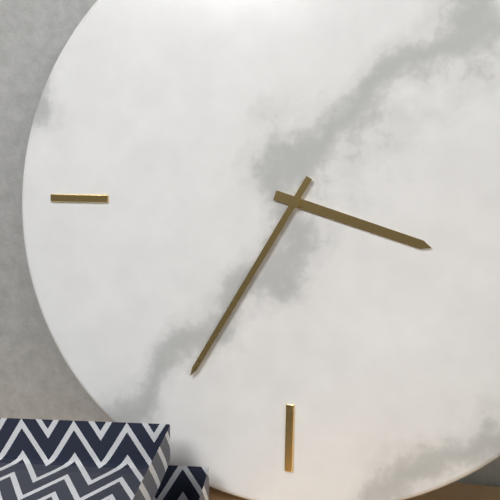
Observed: {"hour": 3, "minute": 35}
